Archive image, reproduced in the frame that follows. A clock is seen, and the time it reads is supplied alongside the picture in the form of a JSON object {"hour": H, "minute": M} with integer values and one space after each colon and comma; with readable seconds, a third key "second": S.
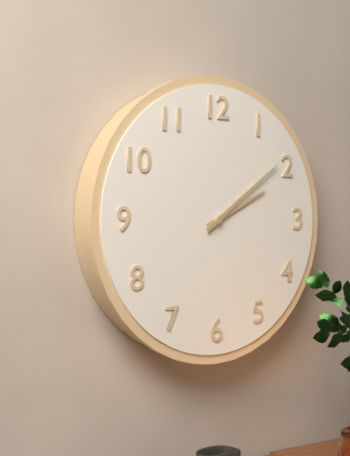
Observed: {"hour": 2, "minute": 9}
